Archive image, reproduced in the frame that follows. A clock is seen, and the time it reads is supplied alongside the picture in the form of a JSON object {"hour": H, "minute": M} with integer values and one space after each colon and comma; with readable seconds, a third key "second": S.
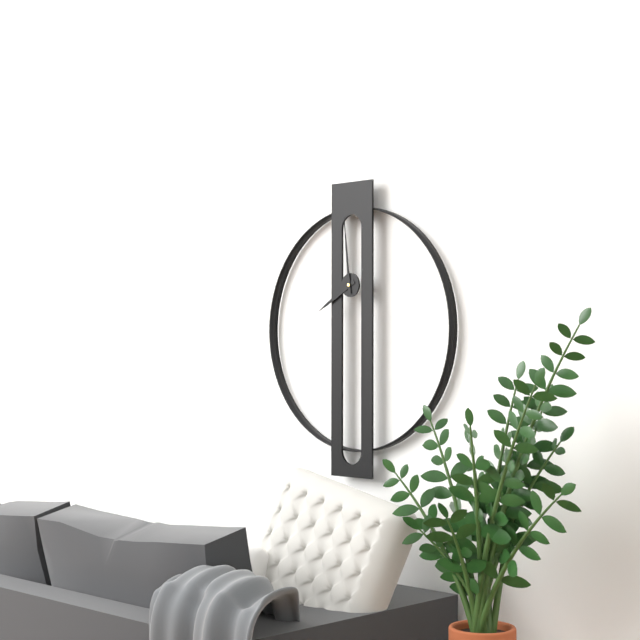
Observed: {"hour": 7, "minute": 59}
